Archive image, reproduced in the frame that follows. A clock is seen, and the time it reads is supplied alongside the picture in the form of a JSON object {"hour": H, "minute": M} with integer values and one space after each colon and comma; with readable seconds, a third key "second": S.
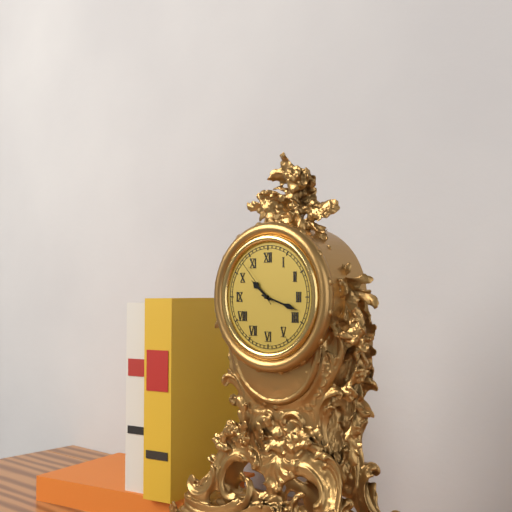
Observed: {"hour": 10, "minute": 18, "second": 53}
